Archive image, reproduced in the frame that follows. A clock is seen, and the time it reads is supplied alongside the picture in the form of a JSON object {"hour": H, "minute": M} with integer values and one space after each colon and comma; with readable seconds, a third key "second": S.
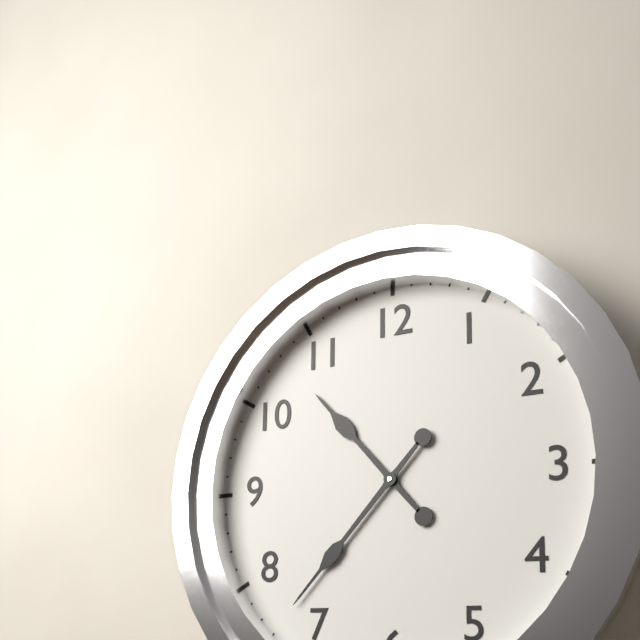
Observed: {"hour": 10, "minute": 37}
